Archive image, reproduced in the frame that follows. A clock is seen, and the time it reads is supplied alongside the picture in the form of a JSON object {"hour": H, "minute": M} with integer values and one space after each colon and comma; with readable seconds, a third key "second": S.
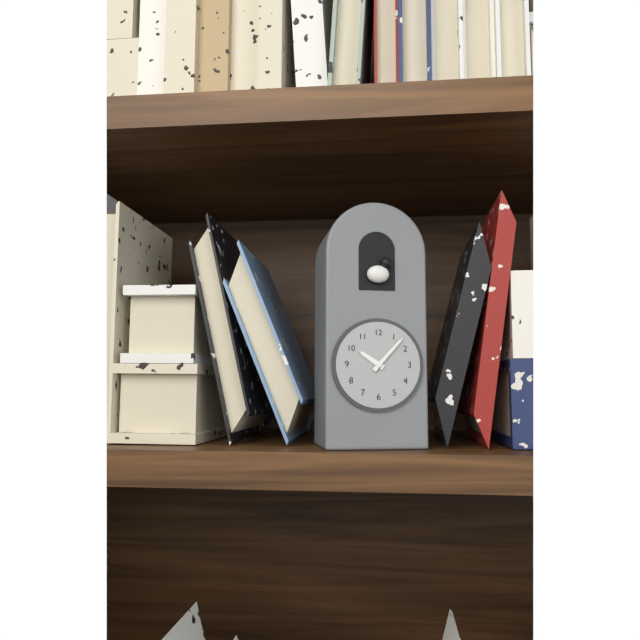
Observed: {"hour": 10, "minute": 7}
